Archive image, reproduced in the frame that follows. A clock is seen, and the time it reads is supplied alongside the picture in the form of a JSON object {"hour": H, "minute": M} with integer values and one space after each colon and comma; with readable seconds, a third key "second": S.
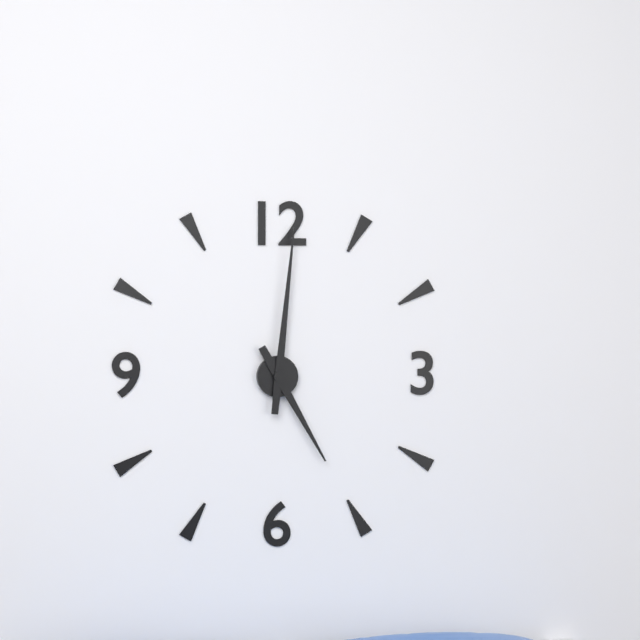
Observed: {"hour": 5, "minute": 1}
